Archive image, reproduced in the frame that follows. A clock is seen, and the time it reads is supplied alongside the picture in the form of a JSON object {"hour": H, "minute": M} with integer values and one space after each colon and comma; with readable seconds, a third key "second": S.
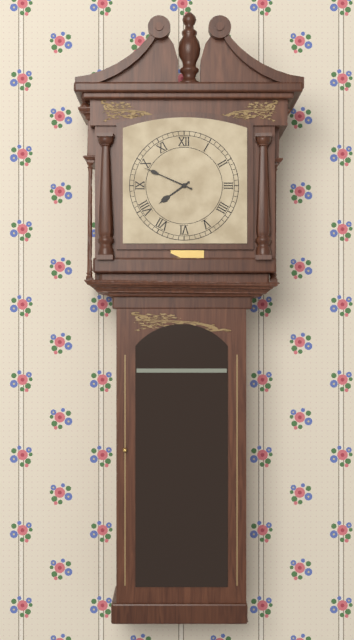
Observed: {"hour": 7, "minute": 49}
